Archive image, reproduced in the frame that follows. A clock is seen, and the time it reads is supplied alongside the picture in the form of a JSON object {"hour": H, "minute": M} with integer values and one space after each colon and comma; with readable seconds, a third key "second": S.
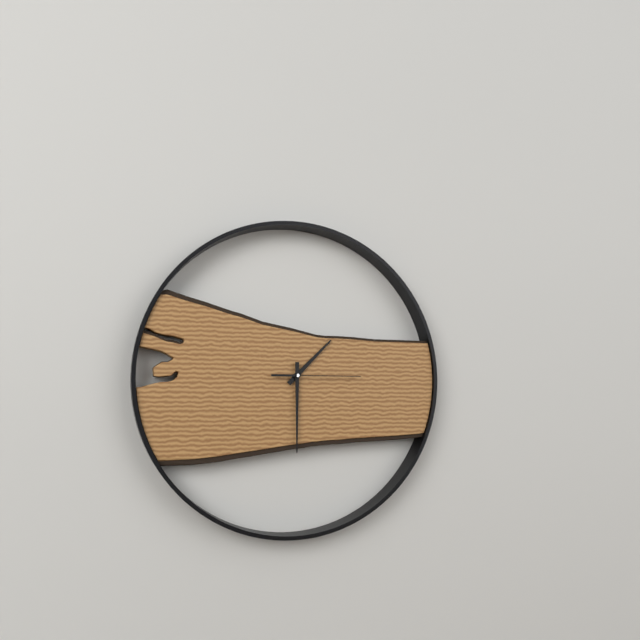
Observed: {"hour": 1, "minute": 30, "second": 15}
